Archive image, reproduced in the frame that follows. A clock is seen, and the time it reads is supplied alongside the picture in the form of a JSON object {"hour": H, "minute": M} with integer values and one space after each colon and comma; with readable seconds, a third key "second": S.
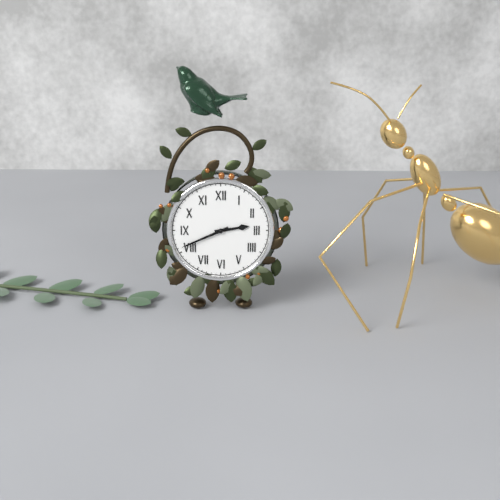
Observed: {"hour": 2, "minute": 41}
